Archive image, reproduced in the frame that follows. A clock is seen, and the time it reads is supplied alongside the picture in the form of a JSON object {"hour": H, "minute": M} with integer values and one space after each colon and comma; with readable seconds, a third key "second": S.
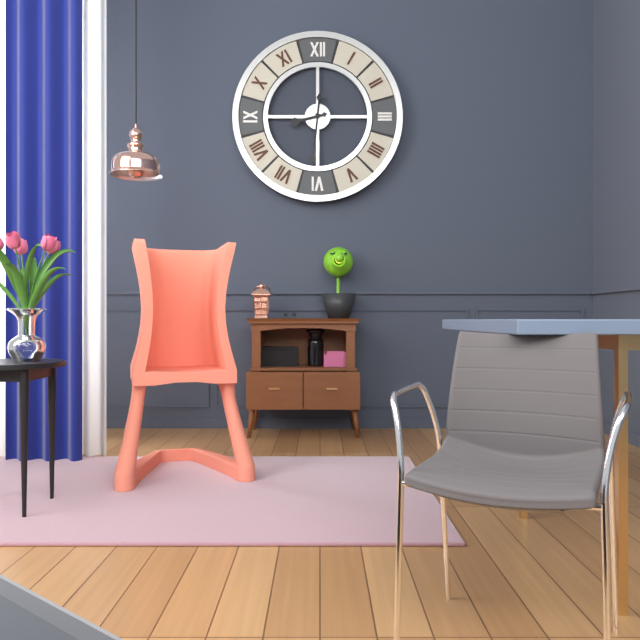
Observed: {"hour": 8, "minute": 31}
